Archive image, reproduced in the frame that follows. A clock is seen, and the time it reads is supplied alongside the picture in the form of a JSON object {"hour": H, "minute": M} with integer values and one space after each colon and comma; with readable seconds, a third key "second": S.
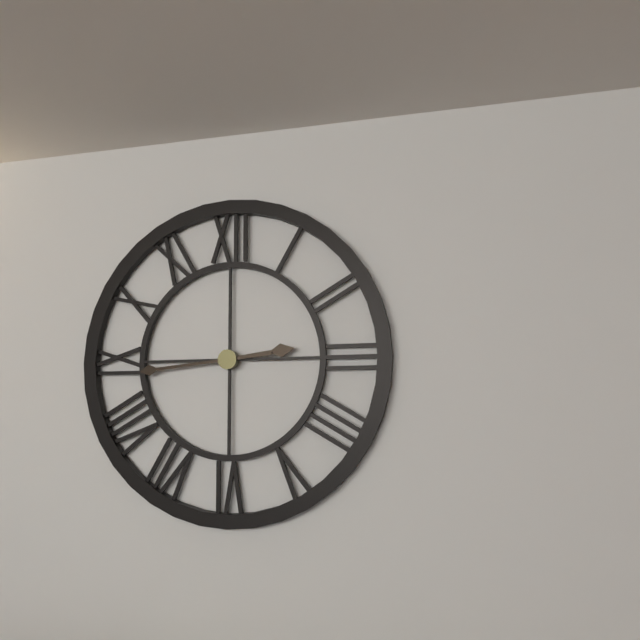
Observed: {"hour": 2, "minute": 44}
